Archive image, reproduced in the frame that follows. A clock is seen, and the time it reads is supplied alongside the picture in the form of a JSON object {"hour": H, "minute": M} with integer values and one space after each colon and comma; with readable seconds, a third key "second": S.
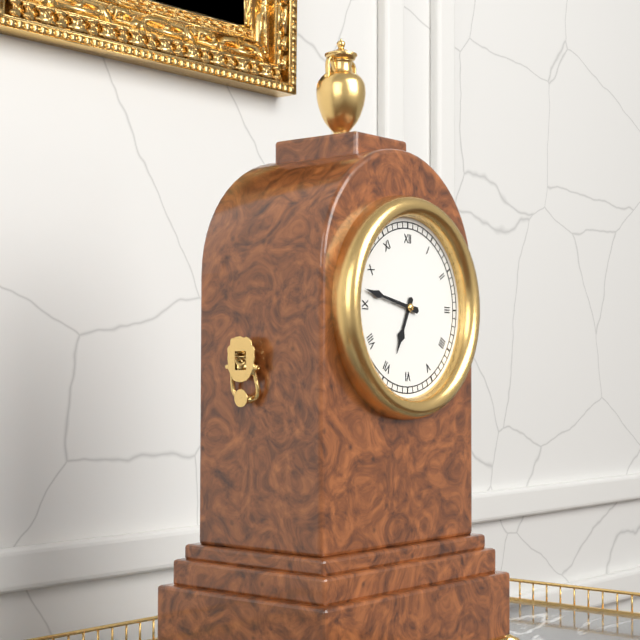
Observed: {"hour": 6, "minute": 47}
